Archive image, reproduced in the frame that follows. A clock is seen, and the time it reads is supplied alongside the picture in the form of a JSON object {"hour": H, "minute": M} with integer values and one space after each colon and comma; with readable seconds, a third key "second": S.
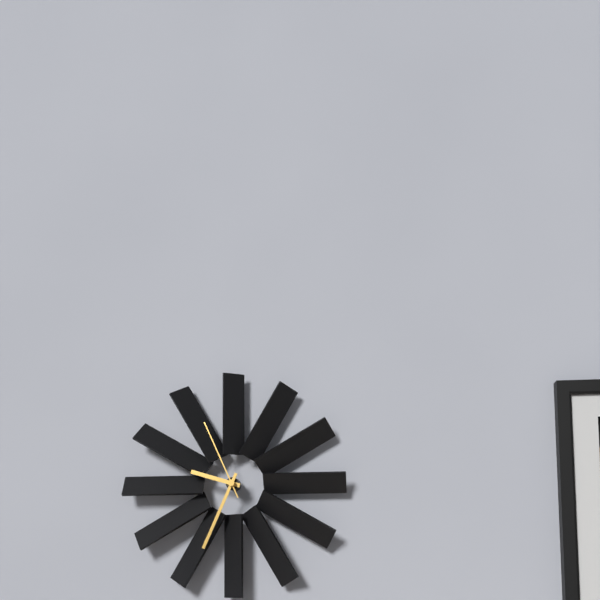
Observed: {"hour": 9, "minute": 34, "second": 56}
